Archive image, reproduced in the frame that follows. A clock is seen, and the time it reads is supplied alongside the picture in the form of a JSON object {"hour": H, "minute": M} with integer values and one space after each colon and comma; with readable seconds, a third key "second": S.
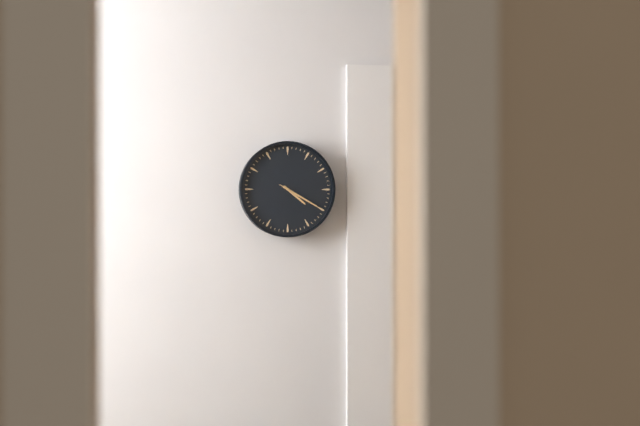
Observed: {"hour": 4, "minute": 20}
